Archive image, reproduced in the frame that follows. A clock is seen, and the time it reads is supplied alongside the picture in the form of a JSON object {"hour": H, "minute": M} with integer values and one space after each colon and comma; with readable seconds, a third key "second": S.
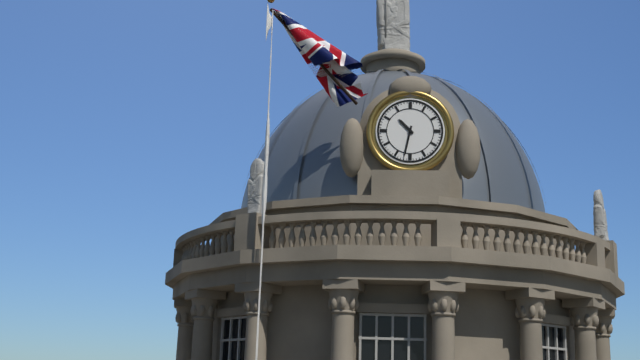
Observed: {"hour": 10, "minute": 32}
